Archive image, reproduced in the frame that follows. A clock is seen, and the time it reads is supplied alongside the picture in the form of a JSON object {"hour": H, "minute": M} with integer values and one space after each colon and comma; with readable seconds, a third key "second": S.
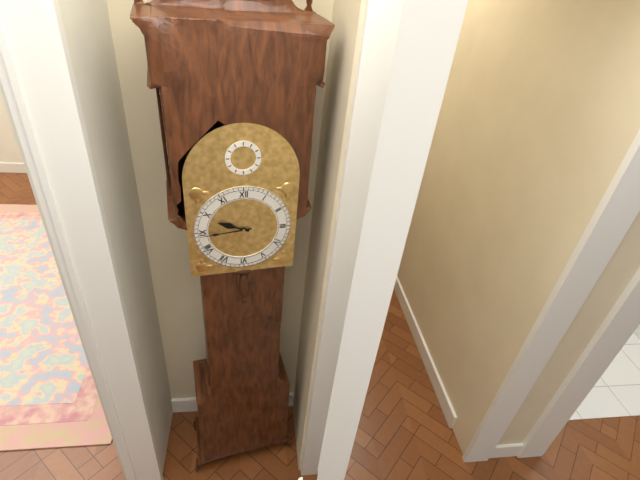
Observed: {"hour": 9, "minute": 44}
